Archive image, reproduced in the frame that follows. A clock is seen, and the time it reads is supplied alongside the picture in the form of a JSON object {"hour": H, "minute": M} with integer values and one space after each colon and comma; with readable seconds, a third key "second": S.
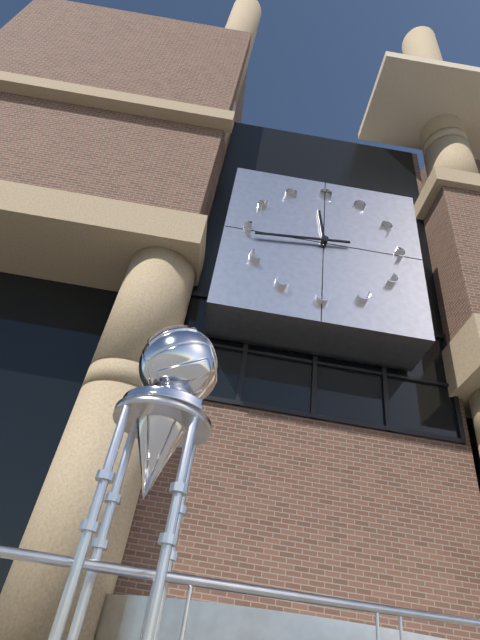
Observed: {"hour": 11, "minute": 44}
